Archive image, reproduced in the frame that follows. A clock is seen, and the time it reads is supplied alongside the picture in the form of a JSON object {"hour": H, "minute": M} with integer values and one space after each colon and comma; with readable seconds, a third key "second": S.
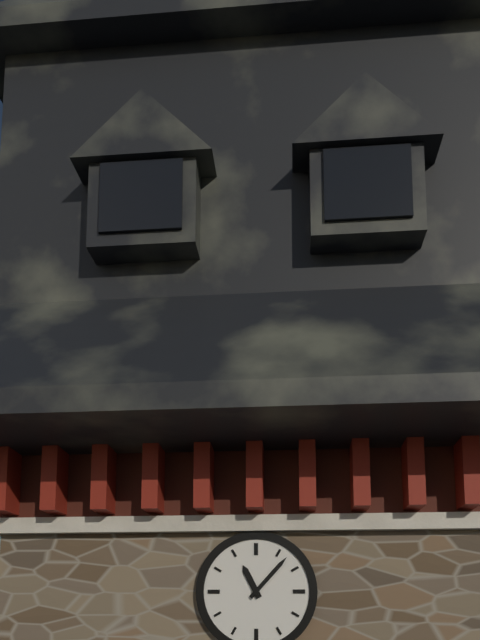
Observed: {"hour": 11, "minute": 7}
